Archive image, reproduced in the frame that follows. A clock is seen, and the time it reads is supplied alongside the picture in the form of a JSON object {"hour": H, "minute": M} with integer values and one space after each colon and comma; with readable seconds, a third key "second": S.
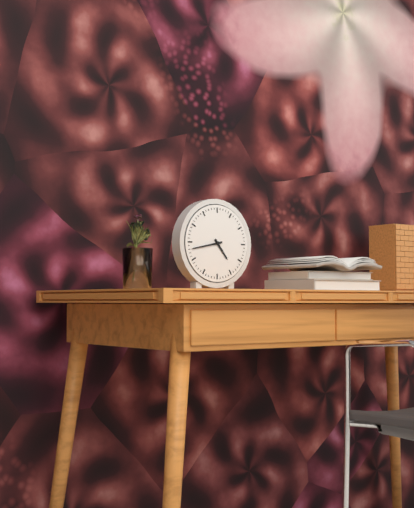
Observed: {"hour": 4, "minute": 43}
